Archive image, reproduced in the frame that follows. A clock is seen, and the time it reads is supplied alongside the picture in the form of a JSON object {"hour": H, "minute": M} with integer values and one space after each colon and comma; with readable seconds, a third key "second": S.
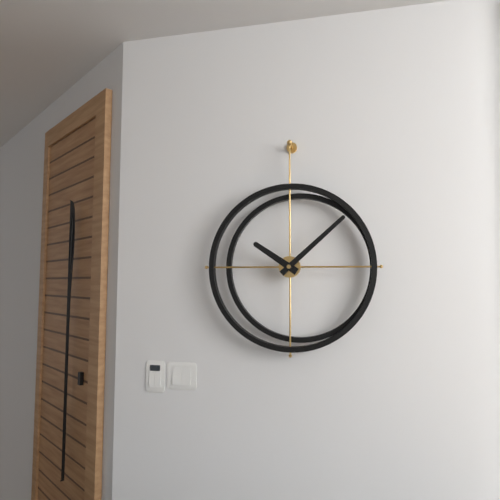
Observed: {"hour": 10, "minute": 8}
